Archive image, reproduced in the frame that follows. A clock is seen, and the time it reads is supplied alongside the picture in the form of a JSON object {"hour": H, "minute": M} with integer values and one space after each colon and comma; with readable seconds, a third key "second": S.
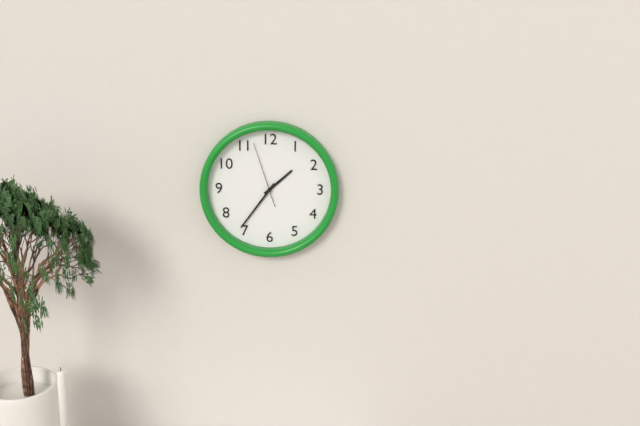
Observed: {"hour": 1, "minute": 36, "second": 57}
